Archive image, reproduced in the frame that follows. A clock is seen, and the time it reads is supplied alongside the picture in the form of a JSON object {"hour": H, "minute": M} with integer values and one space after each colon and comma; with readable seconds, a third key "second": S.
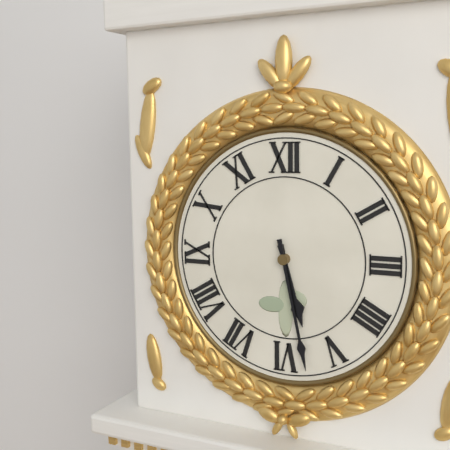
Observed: {"hour": 5, "minute": 28}
